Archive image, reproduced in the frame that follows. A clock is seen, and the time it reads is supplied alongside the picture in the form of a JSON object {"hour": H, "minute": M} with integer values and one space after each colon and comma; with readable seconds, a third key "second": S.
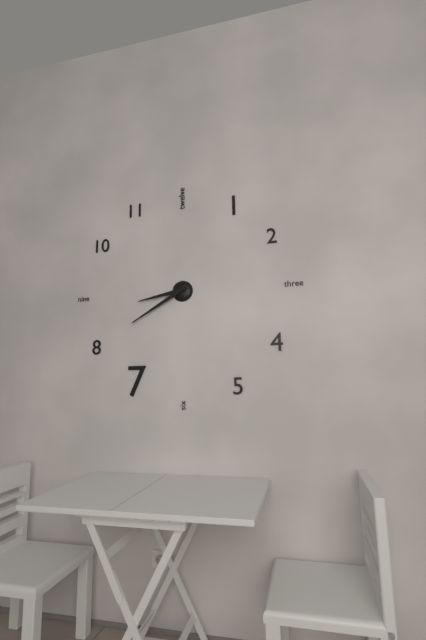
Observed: {"hour": 8, "minute": 40}
